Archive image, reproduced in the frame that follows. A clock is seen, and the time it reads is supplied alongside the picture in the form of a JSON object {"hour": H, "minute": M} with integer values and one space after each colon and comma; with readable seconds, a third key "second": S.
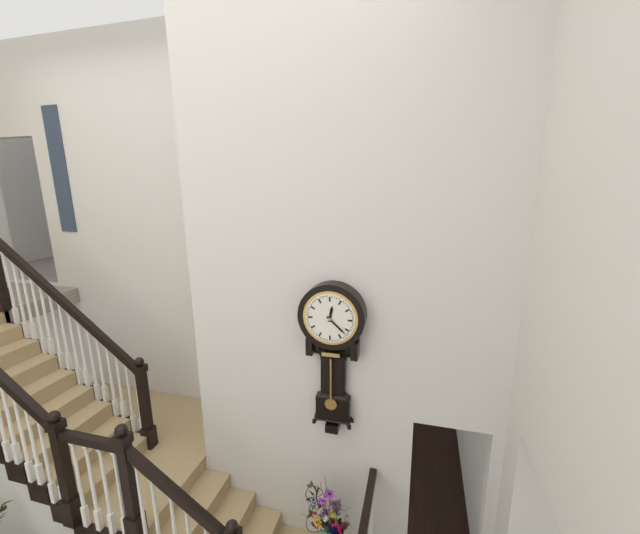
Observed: {"hour": 12, "minute": 22}
